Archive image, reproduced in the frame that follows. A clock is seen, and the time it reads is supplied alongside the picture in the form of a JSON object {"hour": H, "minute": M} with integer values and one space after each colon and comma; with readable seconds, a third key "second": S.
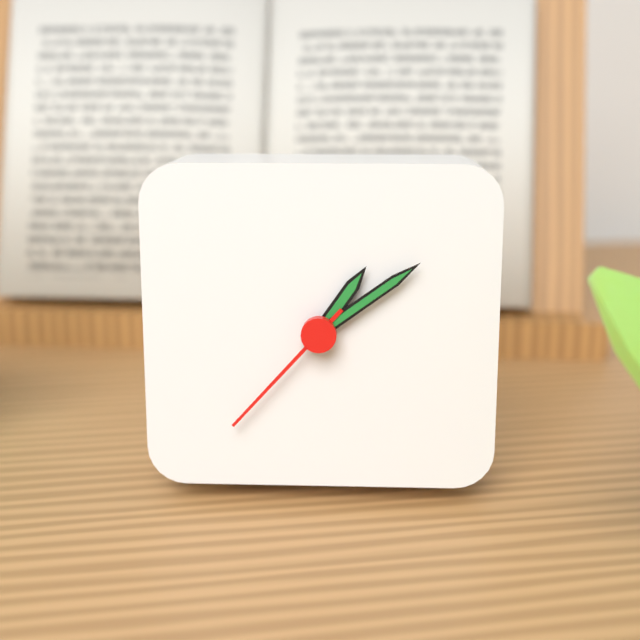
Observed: {"hour": 1, "minute": 9, "second": 37}
